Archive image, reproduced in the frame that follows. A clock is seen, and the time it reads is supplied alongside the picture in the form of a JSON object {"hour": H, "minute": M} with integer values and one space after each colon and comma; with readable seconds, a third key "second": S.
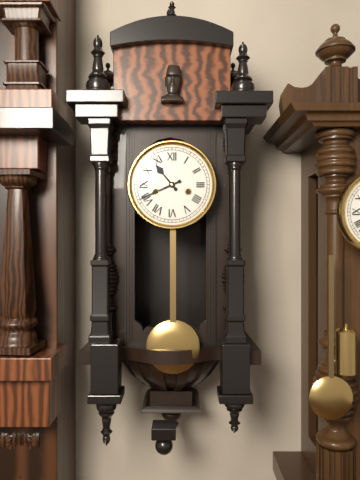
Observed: {"hour": 10, "minute": 41}
